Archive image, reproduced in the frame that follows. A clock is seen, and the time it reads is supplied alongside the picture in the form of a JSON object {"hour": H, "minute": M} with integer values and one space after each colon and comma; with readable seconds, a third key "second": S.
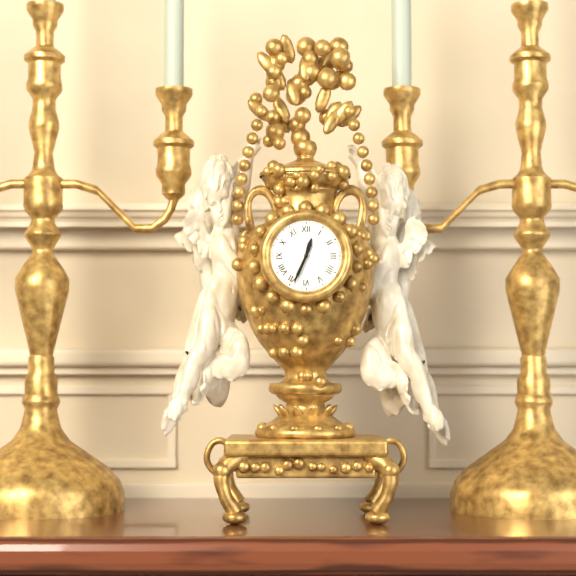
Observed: {"hour": 12, "minute": 34}
